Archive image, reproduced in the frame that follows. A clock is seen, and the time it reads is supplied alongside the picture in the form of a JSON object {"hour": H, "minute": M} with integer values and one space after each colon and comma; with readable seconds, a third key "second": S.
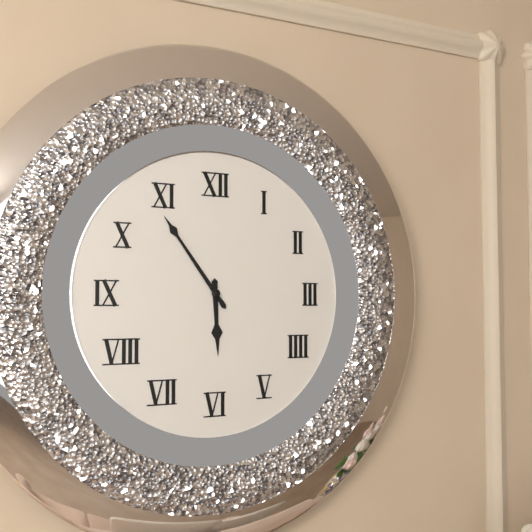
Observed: {"hour": 5, "minute": 54}
